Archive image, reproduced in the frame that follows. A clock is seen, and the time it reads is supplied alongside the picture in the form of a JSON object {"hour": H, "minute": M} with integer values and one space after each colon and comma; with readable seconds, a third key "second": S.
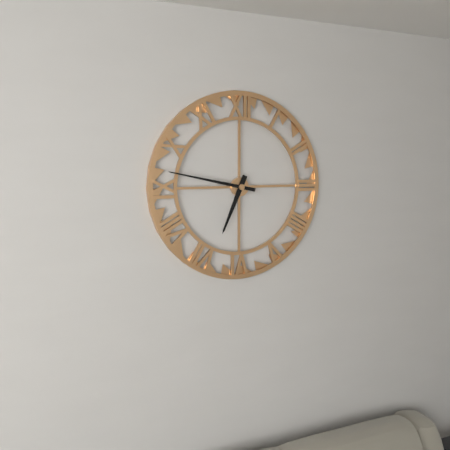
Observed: {"hour": 6, "minute": 47}
